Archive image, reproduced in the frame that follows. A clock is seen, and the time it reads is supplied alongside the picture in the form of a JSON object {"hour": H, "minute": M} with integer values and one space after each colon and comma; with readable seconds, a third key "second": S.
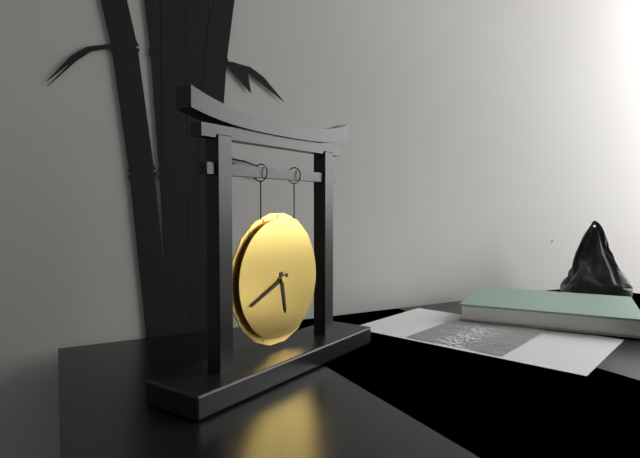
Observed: {"hour": 5, "minute": 41}
